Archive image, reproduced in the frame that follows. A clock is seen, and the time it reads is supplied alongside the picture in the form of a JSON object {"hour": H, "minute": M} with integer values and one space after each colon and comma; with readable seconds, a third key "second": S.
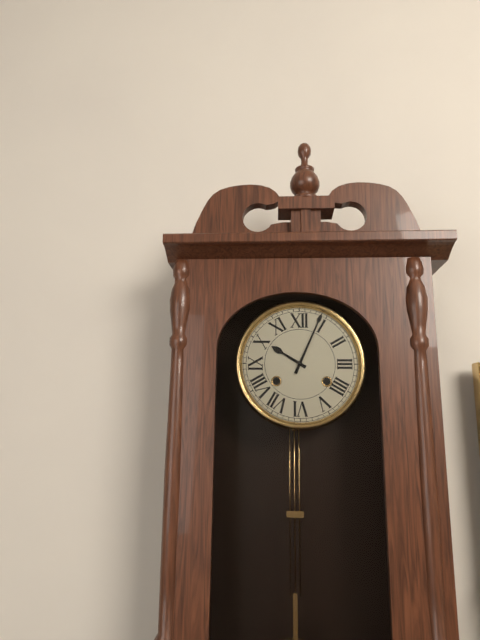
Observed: {"hour": 10, "minute": 4}
